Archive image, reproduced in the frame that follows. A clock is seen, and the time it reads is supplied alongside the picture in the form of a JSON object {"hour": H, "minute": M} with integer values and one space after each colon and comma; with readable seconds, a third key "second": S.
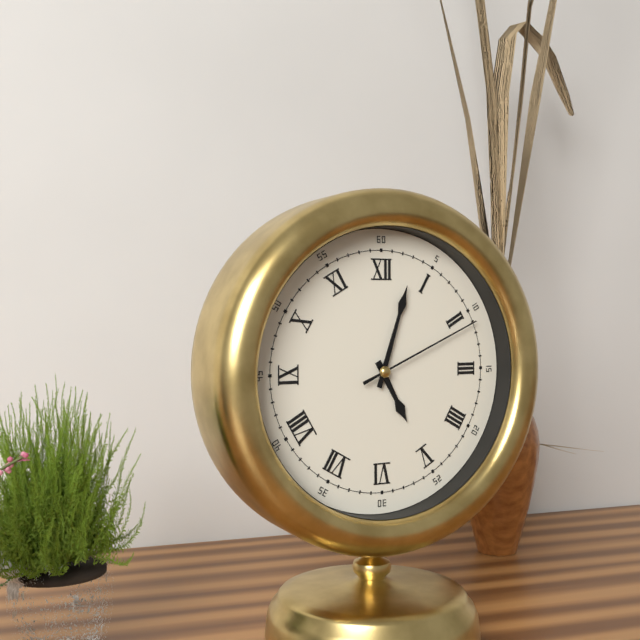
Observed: {"hour": 5, "minute": 3, "second": 11}
